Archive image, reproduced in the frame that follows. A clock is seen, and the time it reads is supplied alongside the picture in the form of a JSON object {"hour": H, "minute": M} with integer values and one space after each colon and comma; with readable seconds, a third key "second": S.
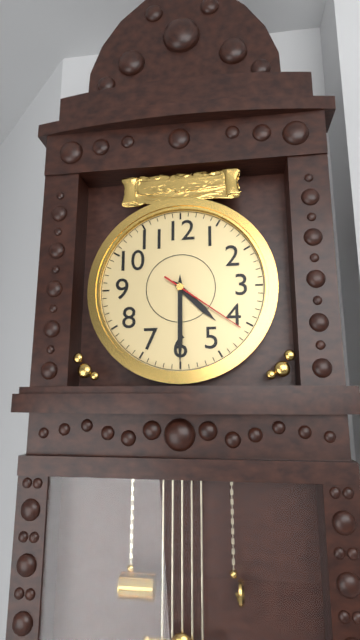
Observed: {"hour": 4, "minute": 30, "second": 21}
